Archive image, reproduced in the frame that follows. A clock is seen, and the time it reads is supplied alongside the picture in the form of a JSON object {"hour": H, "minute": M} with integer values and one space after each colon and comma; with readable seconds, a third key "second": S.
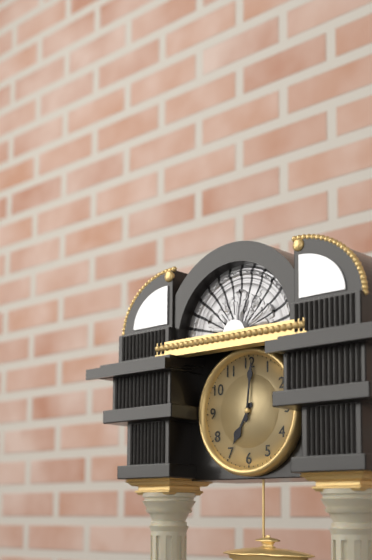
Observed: {"hour": 7, "minute": 1}
